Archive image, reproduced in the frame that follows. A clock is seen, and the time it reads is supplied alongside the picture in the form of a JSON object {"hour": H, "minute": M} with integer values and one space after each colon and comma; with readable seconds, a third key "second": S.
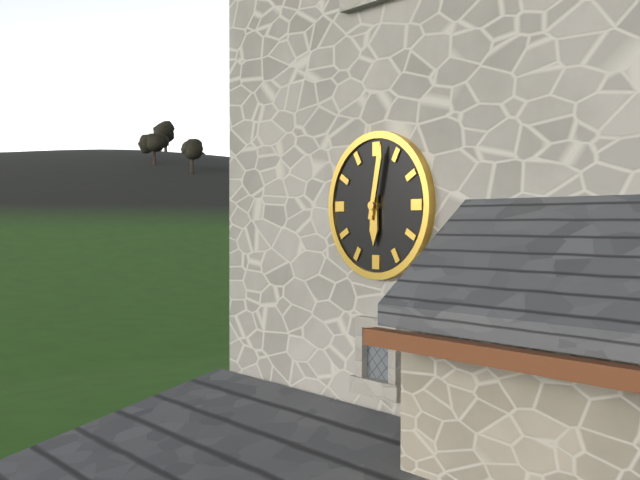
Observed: {"hour": 6, "minute": 2}
